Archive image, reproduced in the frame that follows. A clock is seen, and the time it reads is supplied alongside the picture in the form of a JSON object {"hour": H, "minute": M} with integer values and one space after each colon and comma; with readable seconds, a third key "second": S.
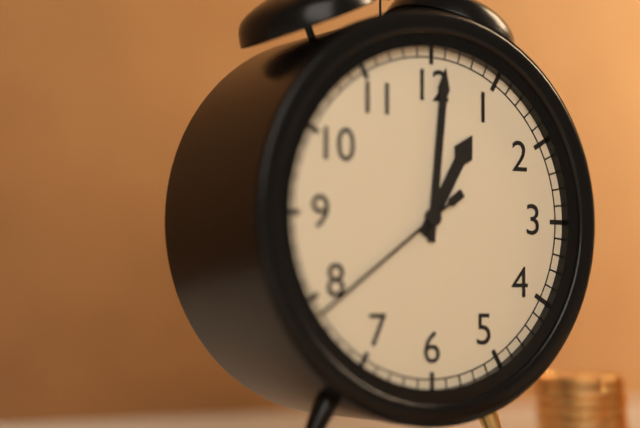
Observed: {"hour": 1, "minute": 1, "second": 39}
